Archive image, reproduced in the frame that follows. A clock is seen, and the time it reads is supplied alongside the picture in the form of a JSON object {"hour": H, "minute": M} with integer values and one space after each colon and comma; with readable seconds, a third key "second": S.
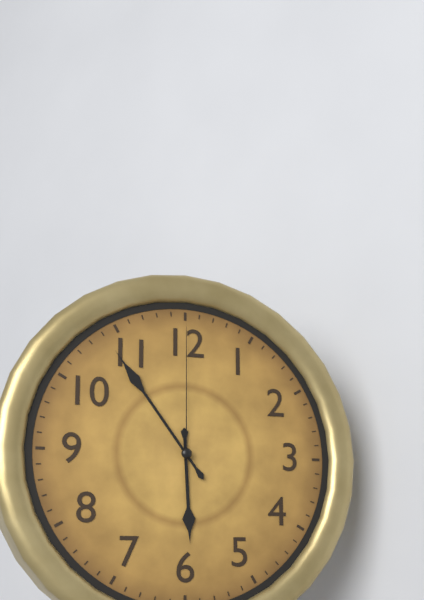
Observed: {"hour": 5, "minute": 54, "second": 0}
